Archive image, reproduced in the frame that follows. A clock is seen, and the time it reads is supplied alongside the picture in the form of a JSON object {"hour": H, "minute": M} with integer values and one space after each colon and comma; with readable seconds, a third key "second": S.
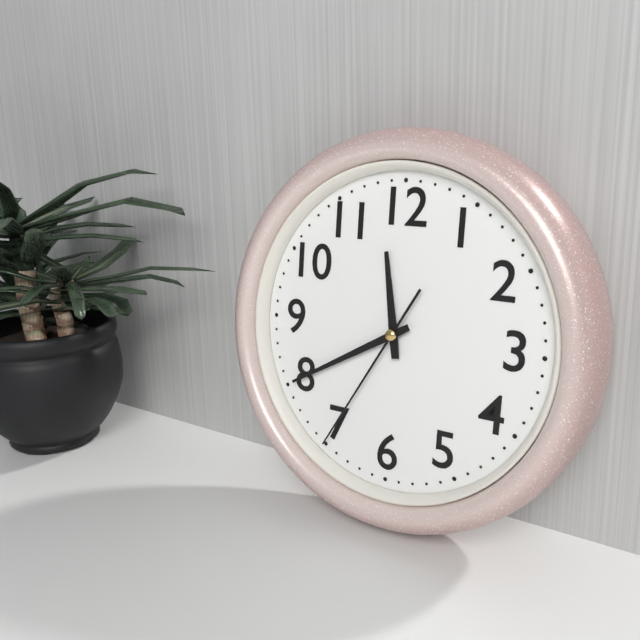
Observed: {"hour": 11, "minute": 40, "second": 35}
